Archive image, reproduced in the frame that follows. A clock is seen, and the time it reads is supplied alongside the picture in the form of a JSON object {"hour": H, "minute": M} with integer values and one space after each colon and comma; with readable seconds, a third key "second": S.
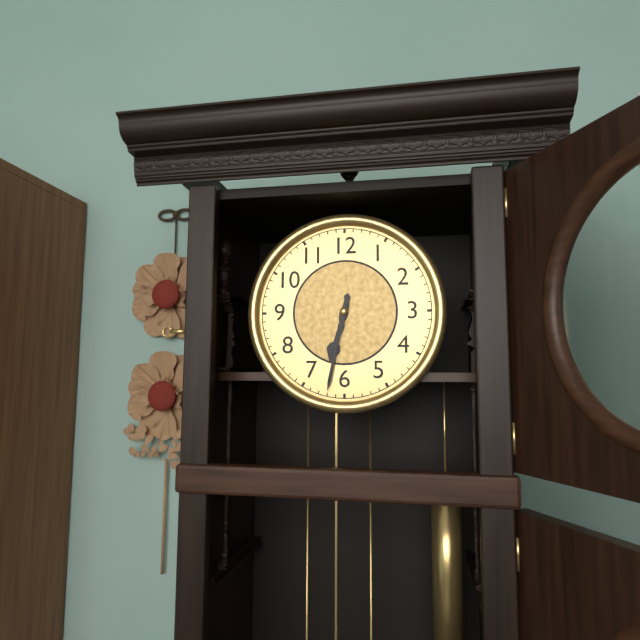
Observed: {"hour": 6, "minute": 32}
